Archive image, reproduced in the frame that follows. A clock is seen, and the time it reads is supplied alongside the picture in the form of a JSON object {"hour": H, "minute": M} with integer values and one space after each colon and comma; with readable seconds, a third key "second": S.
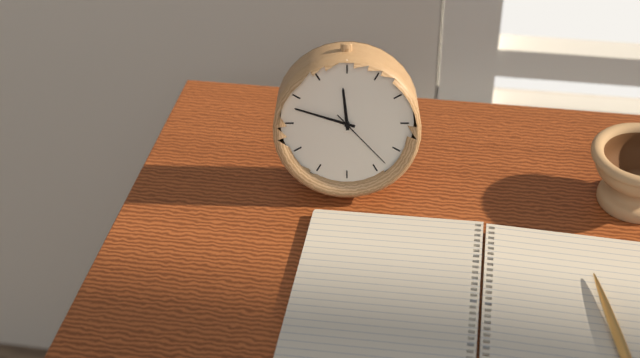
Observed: {"hour": 11, "minute": 48, "second": 23}
